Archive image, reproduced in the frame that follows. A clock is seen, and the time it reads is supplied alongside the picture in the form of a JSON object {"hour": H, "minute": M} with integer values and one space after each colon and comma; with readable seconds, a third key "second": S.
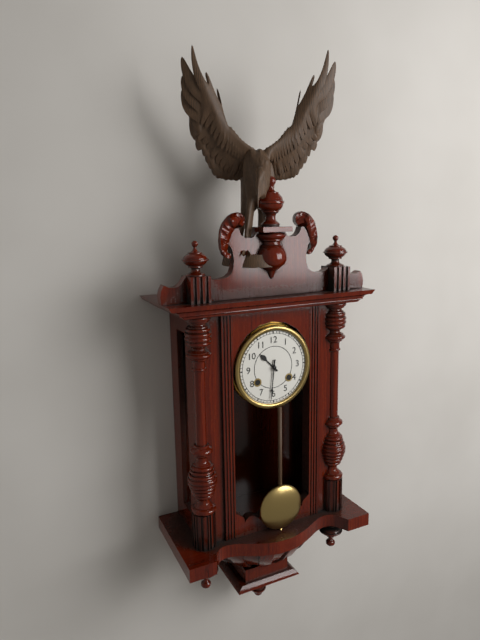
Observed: {"hour": 10, "minute": 31}
